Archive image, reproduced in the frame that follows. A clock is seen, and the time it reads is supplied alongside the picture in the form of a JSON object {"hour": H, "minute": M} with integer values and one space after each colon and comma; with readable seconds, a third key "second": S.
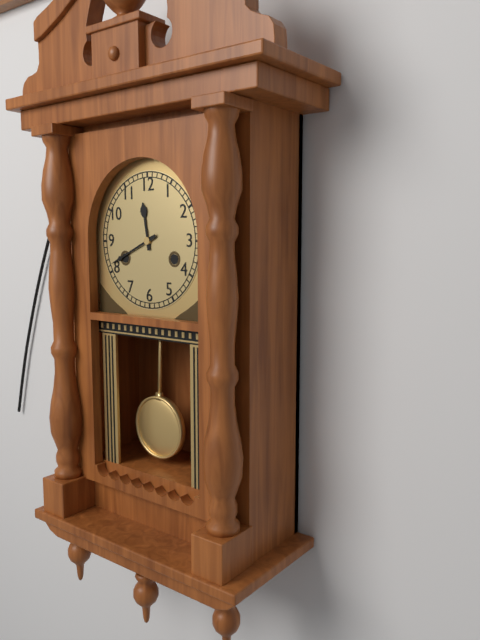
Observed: {"hour": 11, "minute": 41}
